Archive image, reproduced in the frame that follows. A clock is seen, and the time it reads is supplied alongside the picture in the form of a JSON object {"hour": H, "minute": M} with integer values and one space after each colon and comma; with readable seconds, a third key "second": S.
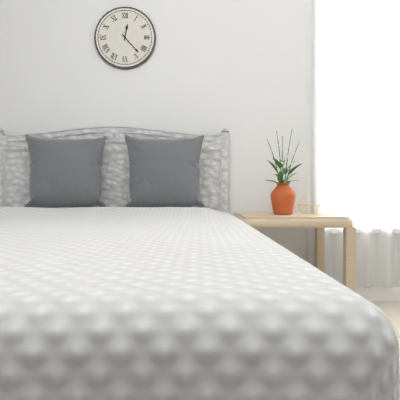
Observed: {"hour": 12, "minute": 23}
